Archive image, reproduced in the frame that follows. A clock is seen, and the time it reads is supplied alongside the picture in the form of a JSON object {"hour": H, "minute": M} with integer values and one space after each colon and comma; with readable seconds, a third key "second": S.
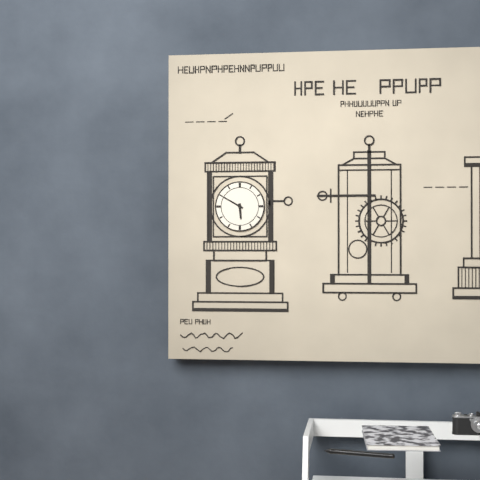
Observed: {"hour": 5, "minute": 50}
